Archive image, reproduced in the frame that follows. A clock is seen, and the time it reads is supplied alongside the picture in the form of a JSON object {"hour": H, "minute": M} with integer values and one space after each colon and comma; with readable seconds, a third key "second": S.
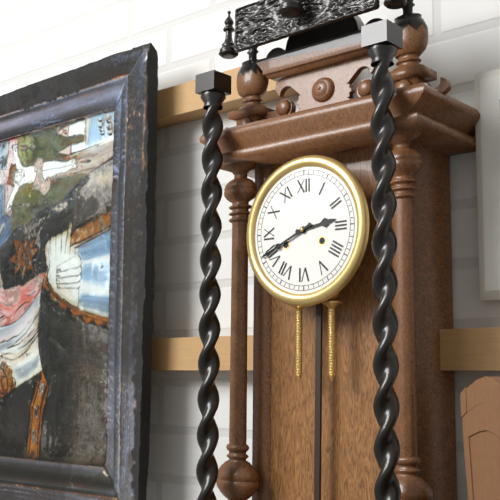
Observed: {"hour": 2, "minute": 41}
